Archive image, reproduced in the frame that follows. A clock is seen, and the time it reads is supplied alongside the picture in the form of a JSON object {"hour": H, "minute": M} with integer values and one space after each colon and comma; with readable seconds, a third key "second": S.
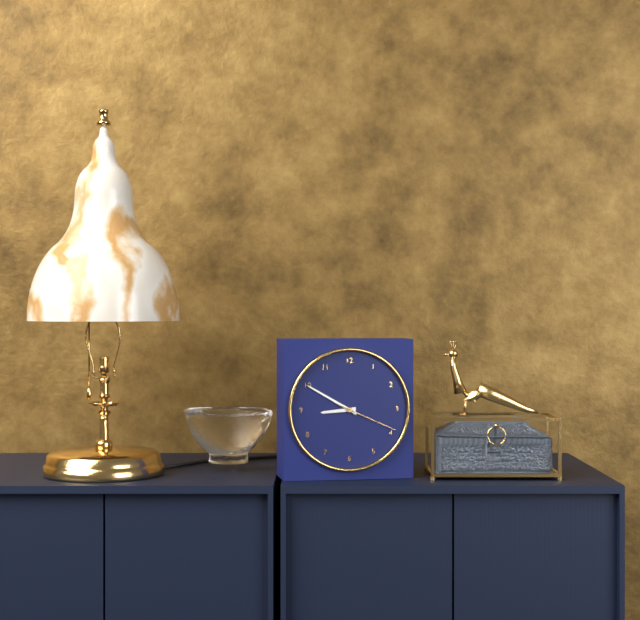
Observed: {"hour": 8, "minute": 50, "second": 19}
